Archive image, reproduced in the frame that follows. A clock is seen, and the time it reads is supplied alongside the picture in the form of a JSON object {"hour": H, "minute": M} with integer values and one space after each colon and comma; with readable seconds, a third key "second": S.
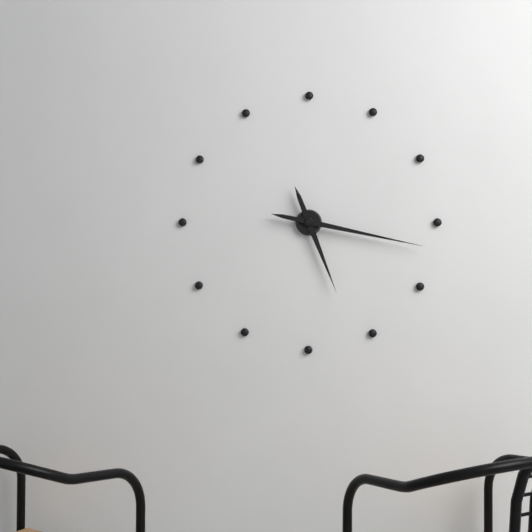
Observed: {"hour": 5, "minute": 17}
